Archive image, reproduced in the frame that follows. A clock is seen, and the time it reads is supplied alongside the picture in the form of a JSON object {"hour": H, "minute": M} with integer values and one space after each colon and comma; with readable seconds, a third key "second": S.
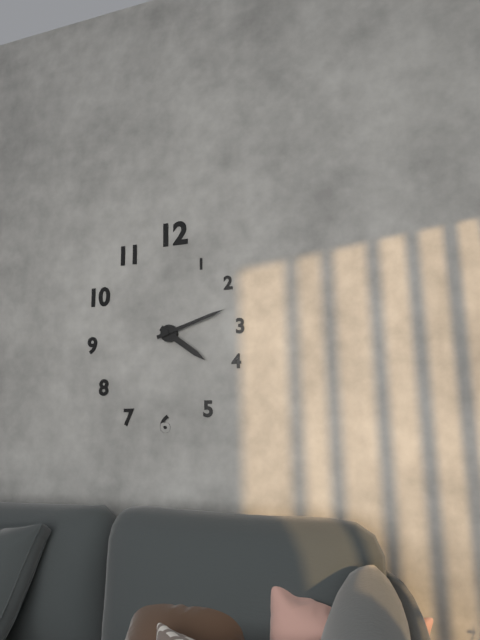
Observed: {"hour": 4, "minute": 12}
